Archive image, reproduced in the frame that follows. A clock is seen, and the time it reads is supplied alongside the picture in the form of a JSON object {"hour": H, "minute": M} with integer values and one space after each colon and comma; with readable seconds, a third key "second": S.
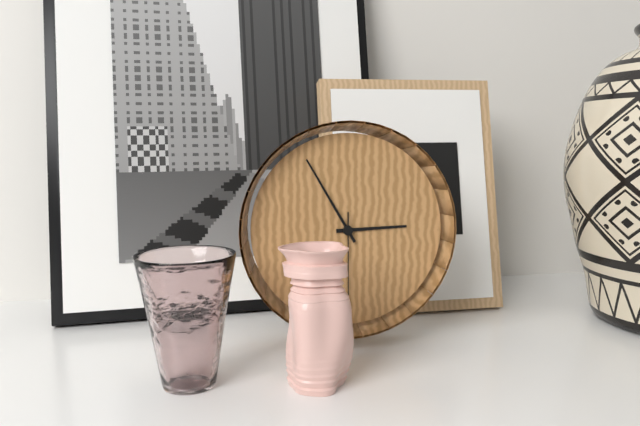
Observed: {"hour": 2, "minute": 55}
